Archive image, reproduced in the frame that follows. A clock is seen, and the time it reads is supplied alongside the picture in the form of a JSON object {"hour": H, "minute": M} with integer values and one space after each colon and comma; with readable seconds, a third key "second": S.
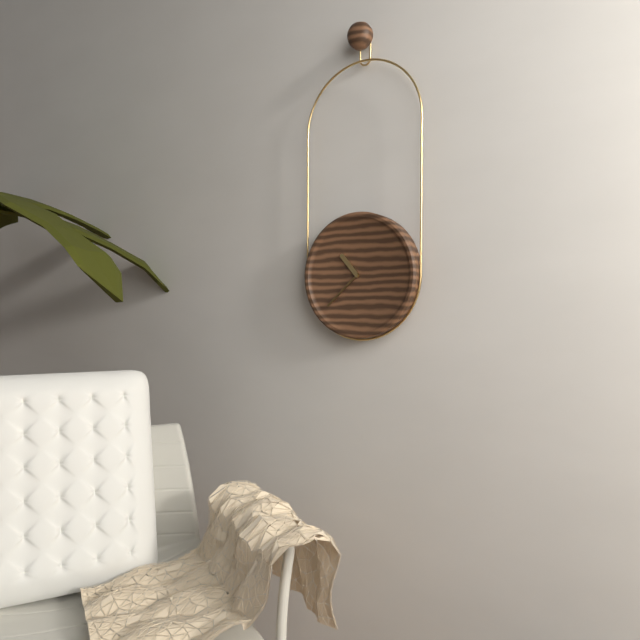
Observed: {"hour": 10, "minute": 38}
